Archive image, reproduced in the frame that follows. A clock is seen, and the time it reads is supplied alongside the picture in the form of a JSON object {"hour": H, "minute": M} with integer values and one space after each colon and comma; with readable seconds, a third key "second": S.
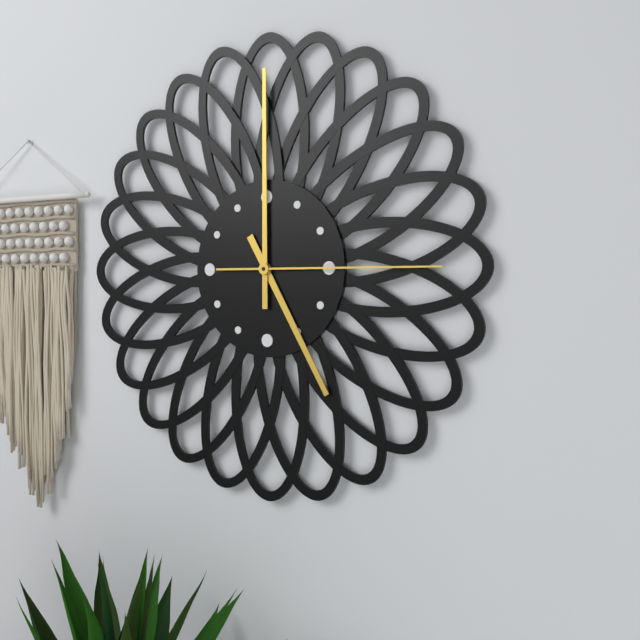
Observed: {"hour": 5, "minute": 0, "second": 15}
